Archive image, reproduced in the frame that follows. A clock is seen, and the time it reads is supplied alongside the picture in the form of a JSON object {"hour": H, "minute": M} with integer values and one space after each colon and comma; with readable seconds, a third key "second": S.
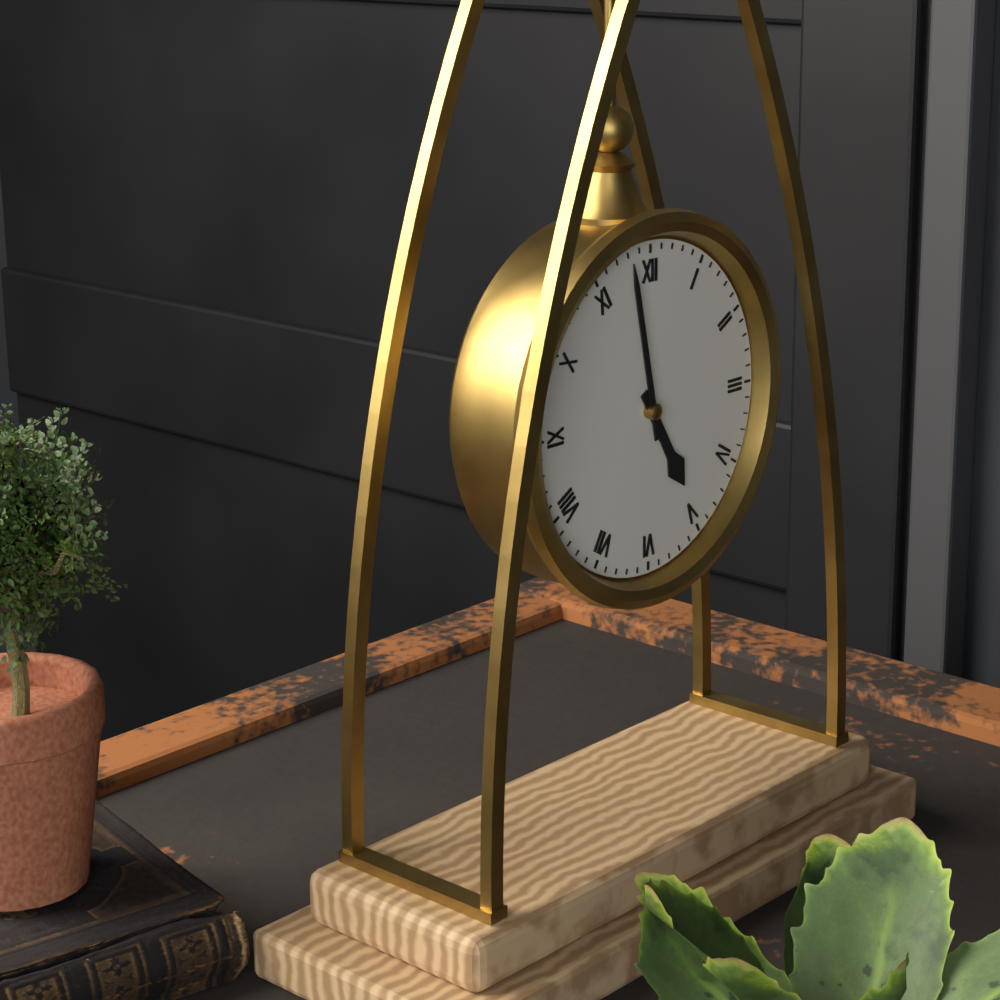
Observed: {"hour": 4, "minute": 58}
